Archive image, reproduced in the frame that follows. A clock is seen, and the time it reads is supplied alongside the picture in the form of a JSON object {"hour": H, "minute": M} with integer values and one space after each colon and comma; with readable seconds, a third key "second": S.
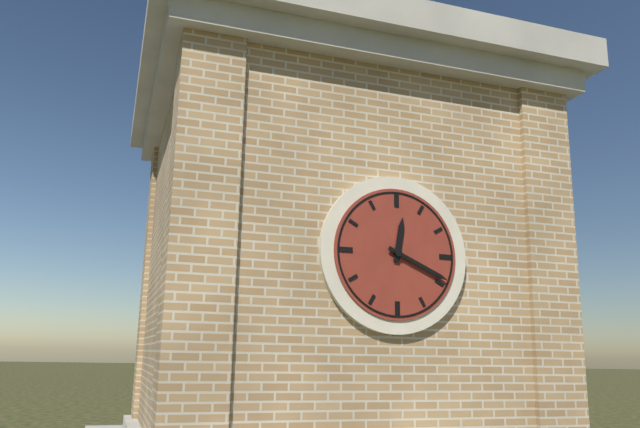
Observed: {"hour": 12, "minute": 19}
